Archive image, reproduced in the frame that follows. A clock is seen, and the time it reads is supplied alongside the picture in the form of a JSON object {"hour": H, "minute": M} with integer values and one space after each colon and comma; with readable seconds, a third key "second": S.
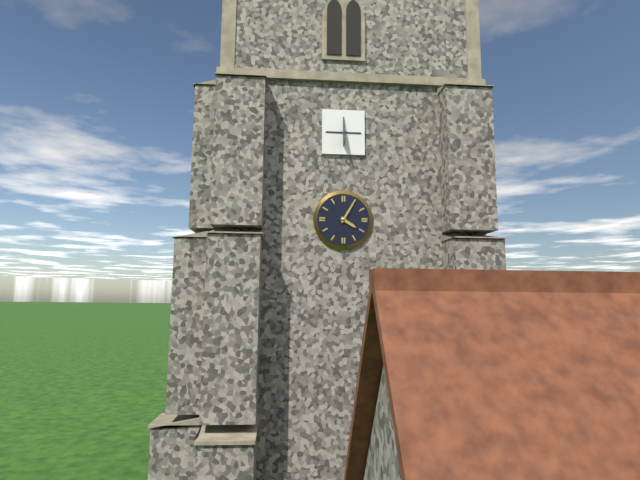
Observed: {"hour": 4, "minute": 5}
